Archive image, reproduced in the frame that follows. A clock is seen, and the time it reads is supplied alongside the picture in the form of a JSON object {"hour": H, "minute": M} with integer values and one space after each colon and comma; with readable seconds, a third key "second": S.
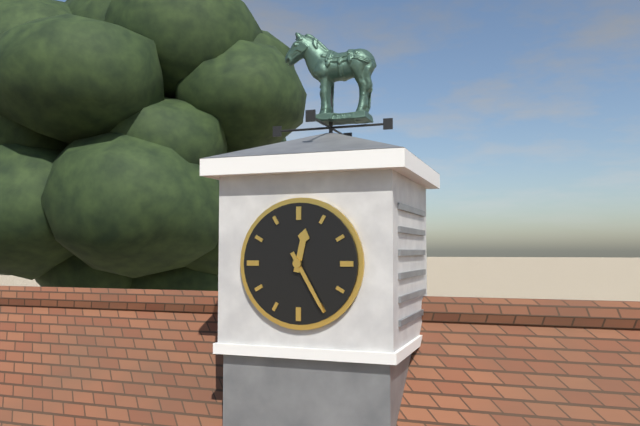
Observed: {"hour": 12, "minute": 25}
